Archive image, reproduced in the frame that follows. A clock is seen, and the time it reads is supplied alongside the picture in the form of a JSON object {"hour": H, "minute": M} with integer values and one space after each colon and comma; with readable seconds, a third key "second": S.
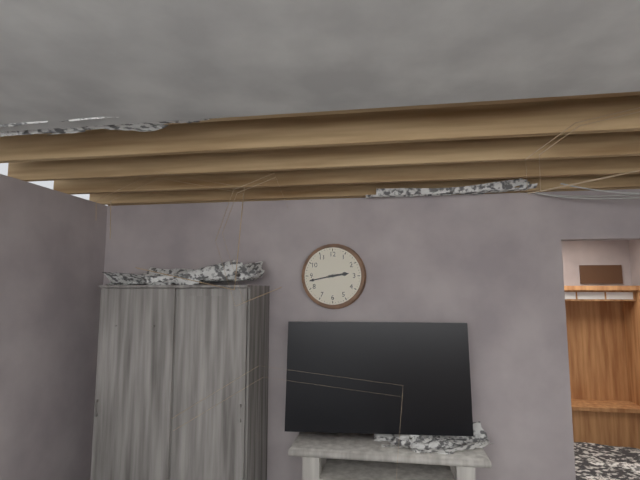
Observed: {"hour": 2, "minute": 43}
